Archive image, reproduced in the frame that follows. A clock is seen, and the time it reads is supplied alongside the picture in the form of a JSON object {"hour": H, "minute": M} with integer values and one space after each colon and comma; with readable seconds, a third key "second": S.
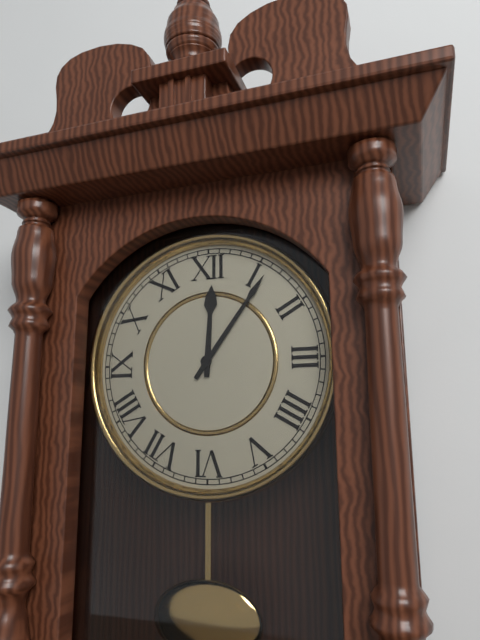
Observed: {"hour": 12, "minute": 6}
